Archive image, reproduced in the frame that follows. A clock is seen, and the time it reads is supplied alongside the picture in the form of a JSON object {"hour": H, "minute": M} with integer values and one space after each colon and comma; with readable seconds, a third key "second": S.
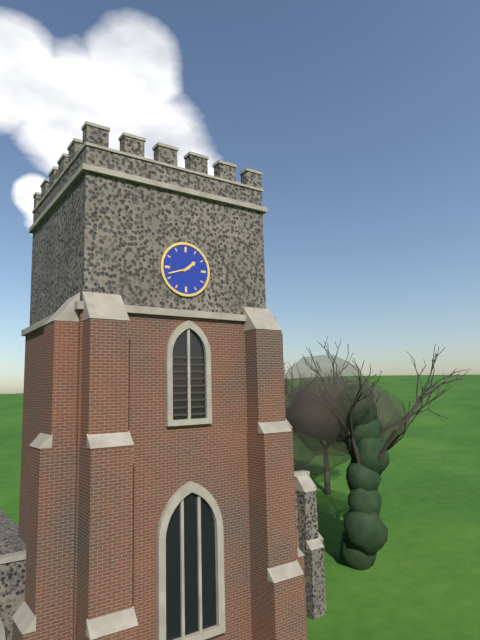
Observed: {"hour": 1, "minute": 42}
